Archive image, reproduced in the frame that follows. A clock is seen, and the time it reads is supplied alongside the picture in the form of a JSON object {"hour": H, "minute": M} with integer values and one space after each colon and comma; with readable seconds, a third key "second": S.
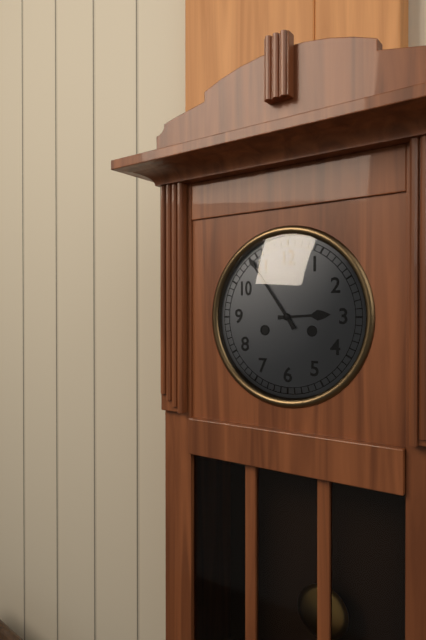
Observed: {"hour": 2, "minute": 54}
